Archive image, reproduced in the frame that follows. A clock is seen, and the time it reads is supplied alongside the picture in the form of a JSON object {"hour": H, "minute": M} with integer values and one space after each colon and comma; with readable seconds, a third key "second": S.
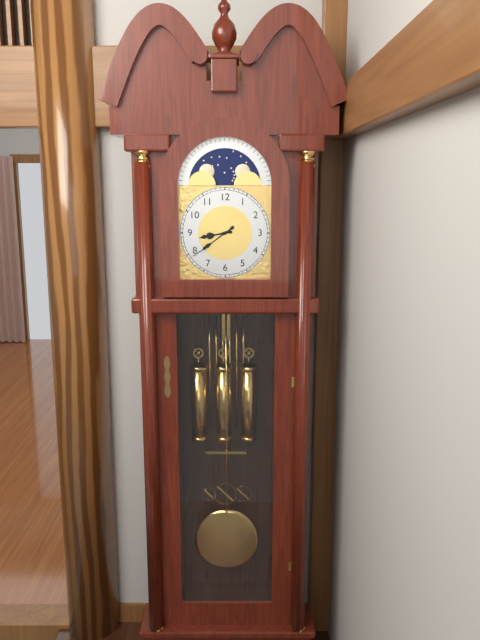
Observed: {"hour": 8, "minute": 39}
